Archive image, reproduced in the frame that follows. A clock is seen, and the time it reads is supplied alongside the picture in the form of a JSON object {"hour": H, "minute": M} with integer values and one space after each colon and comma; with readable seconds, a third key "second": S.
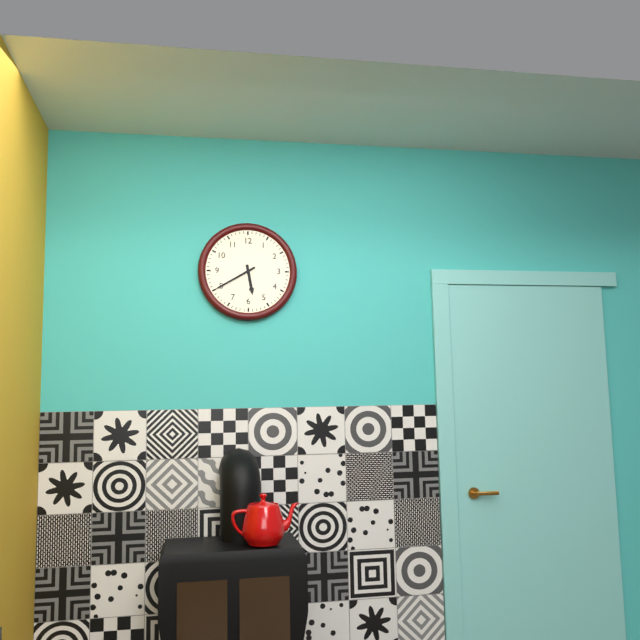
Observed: {"hour": 5, "minute": 40}
